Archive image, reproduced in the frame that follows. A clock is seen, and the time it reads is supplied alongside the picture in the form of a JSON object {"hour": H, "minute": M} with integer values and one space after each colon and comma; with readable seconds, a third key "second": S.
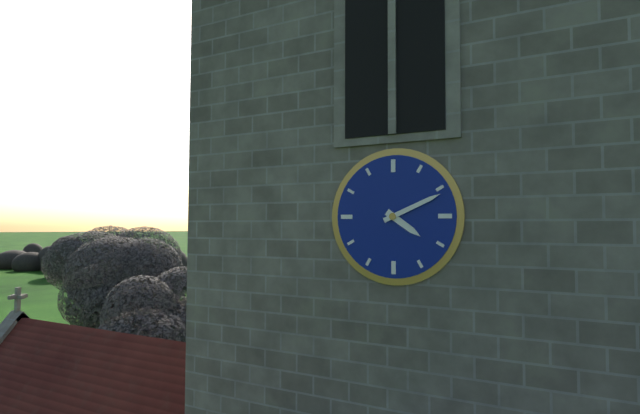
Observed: {"hour": 4, "minute": 11}
